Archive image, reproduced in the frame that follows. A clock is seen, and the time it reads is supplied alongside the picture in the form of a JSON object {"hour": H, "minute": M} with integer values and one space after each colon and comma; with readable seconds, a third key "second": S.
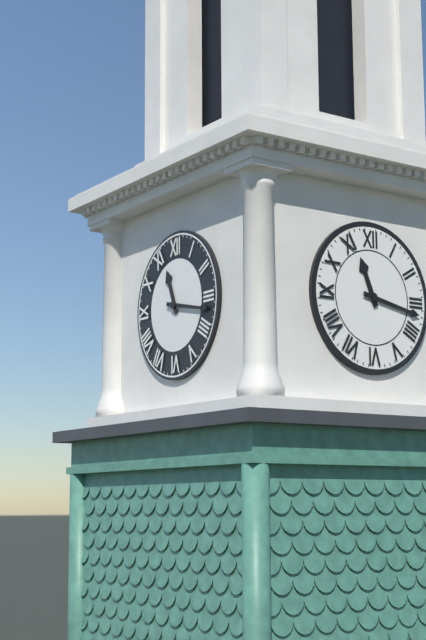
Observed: {"hour": 11, "minute": 17}
